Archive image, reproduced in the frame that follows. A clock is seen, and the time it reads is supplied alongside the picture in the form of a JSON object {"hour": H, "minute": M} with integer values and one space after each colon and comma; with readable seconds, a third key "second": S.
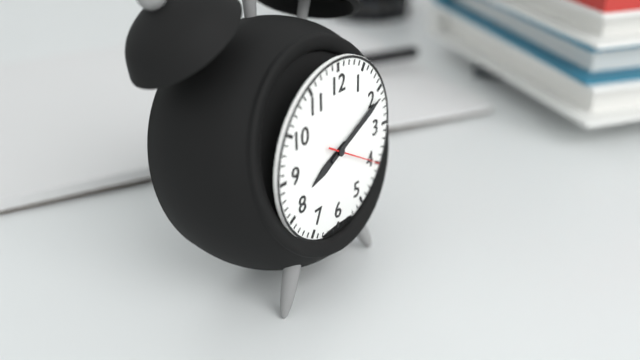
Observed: {"hour": 8, "minute": 11, "second": 20}
